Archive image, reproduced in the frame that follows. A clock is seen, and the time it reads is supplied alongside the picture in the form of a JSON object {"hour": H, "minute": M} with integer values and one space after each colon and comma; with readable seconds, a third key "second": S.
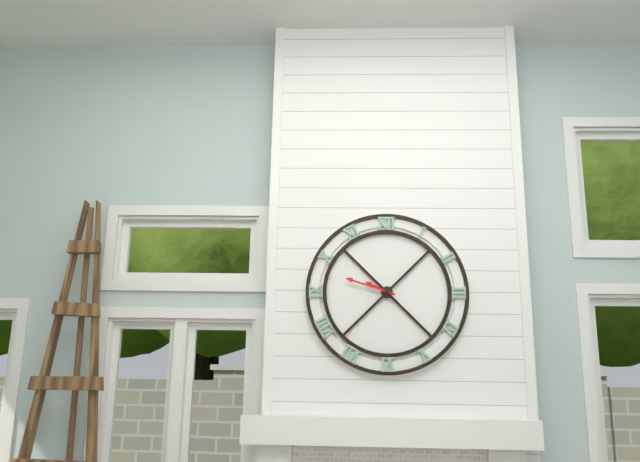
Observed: {"hour": 9, "minute": 48}
